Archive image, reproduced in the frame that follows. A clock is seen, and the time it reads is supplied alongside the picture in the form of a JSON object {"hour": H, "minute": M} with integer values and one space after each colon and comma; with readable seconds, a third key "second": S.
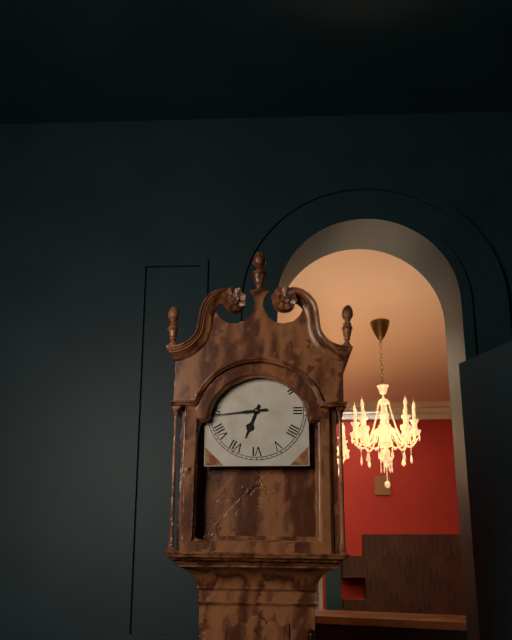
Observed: {"hour": 6, "minute": 44}
